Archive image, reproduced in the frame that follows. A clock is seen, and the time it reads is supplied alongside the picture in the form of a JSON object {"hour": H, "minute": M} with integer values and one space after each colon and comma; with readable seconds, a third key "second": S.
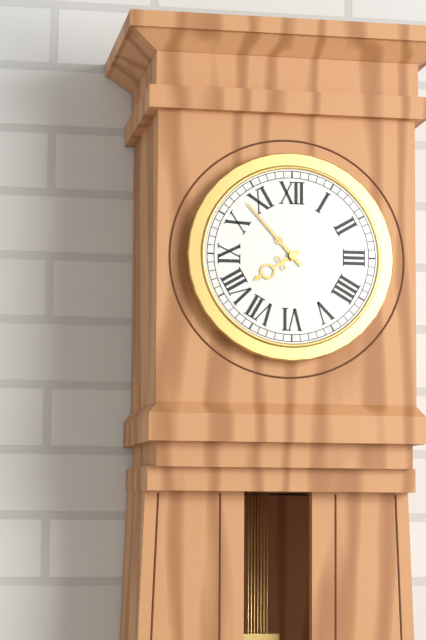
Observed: {"hour": 7, "minute": 53}
